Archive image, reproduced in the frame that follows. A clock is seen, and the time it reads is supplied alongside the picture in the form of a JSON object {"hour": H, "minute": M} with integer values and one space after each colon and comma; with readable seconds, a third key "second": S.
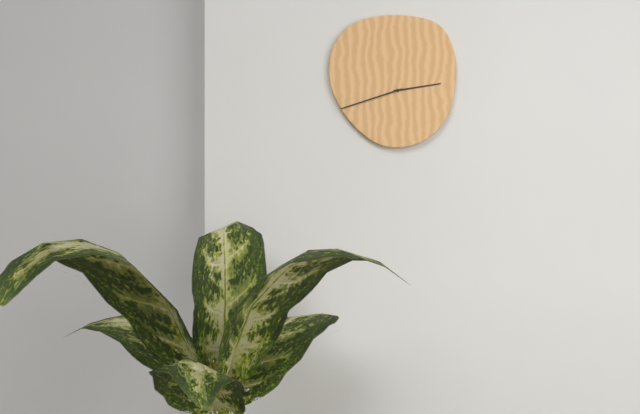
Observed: {"hour": 2, "minute": 42}
